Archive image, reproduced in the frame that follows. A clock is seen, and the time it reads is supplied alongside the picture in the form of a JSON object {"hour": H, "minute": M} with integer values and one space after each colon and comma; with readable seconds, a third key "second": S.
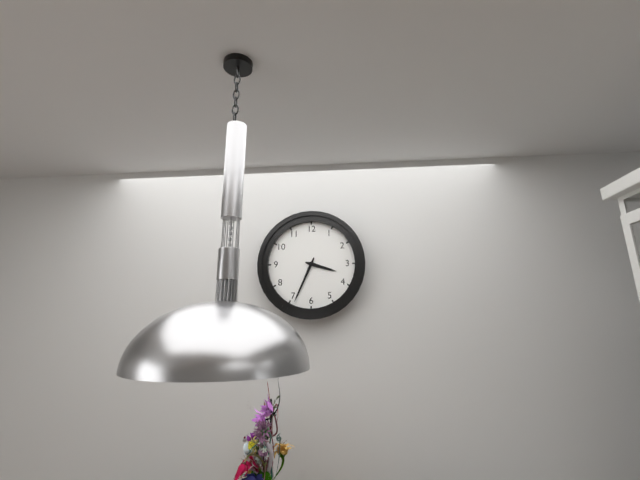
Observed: {"hour": 3, "minute": 34}
